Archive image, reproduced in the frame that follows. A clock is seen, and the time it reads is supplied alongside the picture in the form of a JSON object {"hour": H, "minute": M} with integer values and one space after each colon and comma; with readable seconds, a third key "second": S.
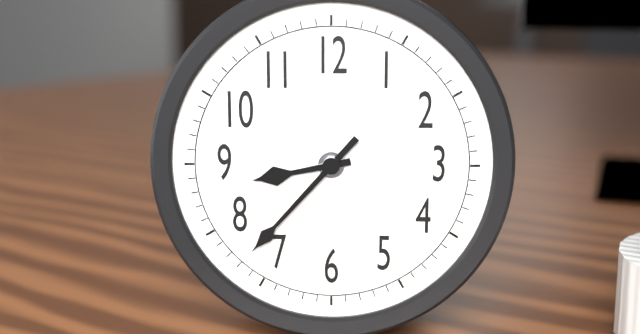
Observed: {"hour": 8, "minute": 37}
